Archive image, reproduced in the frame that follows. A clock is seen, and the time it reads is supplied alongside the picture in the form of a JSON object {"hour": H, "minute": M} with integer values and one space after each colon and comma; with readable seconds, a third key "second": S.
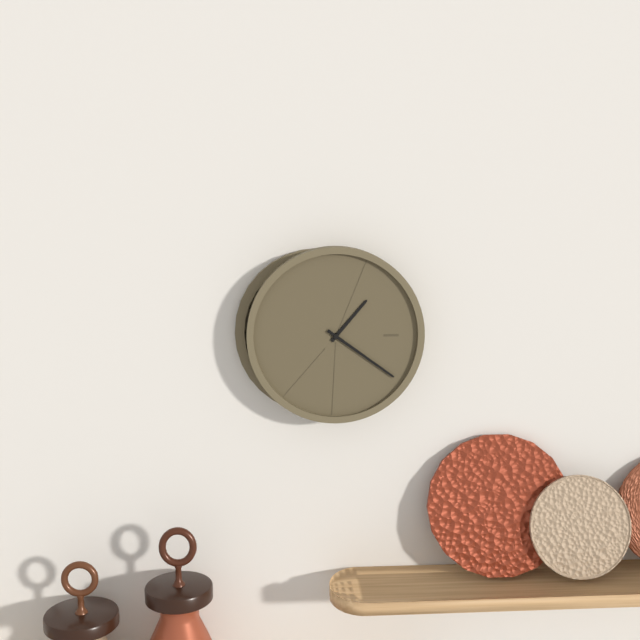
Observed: {"hour": 1, "minute": 21}
